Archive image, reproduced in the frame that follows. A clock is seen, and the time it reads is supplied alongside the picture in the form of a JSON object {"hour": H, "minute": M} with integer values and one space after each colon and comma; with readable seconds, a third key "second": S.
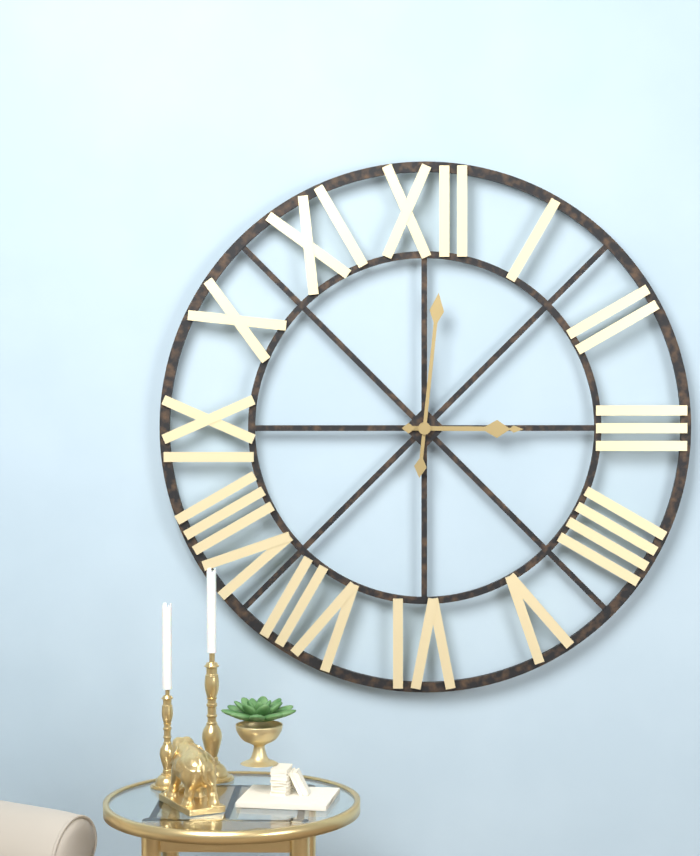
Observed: {"hour": 3, "minute": 1}
